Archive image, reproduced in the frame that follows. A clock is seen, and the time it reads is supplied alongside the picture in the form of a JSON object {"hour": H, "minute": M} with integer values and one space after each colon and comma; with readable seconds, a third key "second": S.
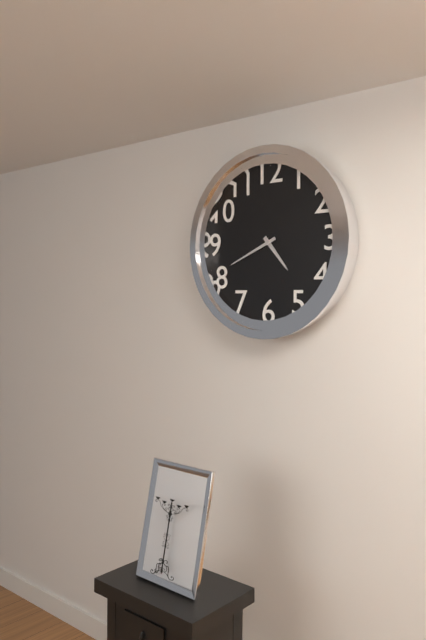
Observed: {"hour": 4, "minute": 41}
